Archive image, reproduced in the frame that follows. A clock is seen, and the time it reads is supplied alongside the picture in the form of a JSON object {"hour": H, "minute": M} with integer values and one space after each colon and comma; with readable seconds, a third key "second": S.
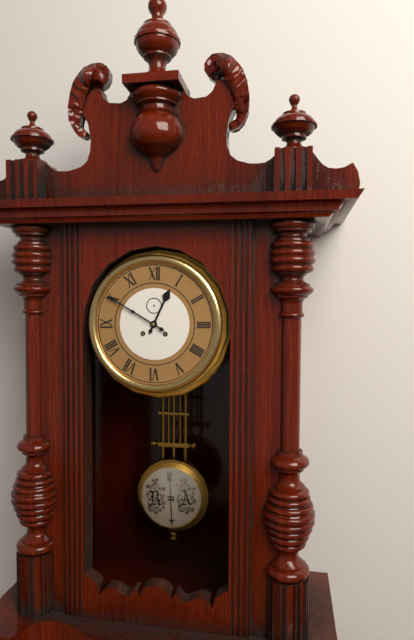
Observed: {"hour": 12, "minute": 50}
